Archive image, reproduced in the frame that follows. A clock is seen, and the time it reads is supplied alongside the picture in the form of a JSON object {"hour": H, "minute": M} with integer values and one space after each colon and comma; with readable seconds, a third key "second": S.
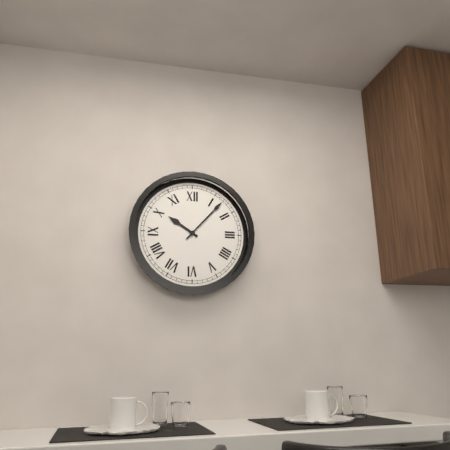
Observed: {"hour": 10, "minute": 7}
